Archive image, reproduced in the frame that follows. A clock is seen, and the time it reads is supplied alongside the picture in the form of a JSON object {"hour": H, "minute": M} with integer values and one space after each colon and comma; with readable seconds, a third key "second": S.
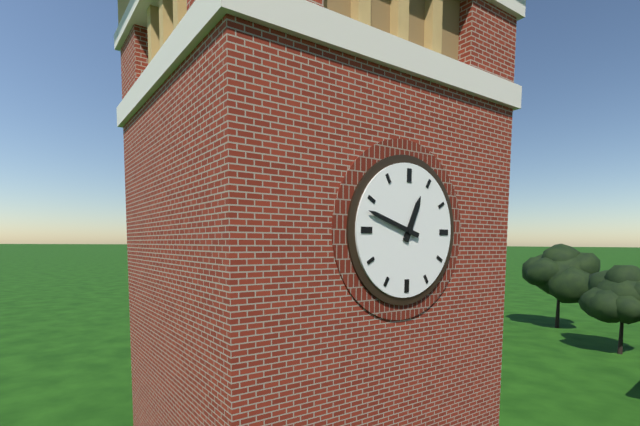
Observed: {"hour": 12, "minute": 48}
